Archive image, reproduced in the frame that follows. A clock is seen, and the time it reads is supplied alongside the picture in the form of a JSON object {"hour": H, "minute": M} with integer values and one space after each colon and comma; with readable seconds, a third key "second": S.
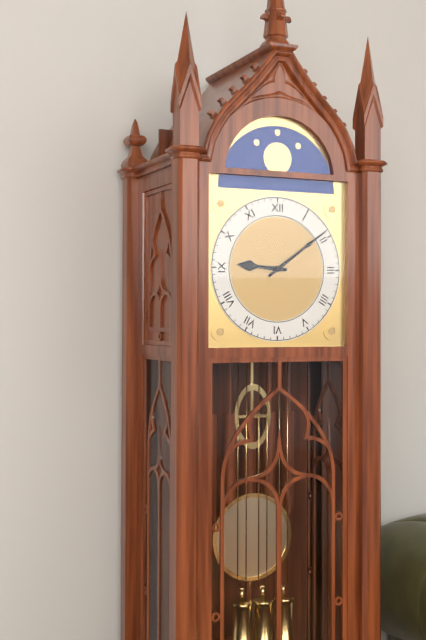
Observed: {"hour": 9, "minute": 9}
